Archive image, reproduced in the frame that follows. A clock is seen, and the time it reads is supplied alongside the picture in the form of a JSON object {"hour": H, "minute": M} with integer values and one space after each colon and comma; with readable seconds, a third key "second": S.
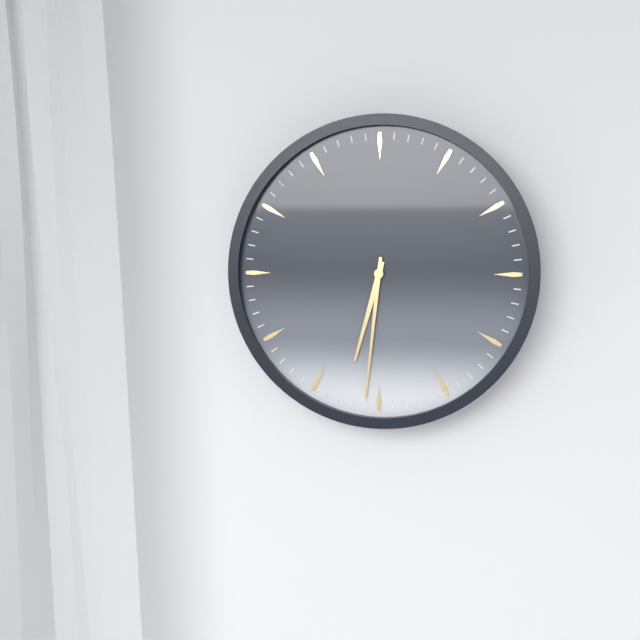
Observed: {"hour": 6, "minute": 31}
